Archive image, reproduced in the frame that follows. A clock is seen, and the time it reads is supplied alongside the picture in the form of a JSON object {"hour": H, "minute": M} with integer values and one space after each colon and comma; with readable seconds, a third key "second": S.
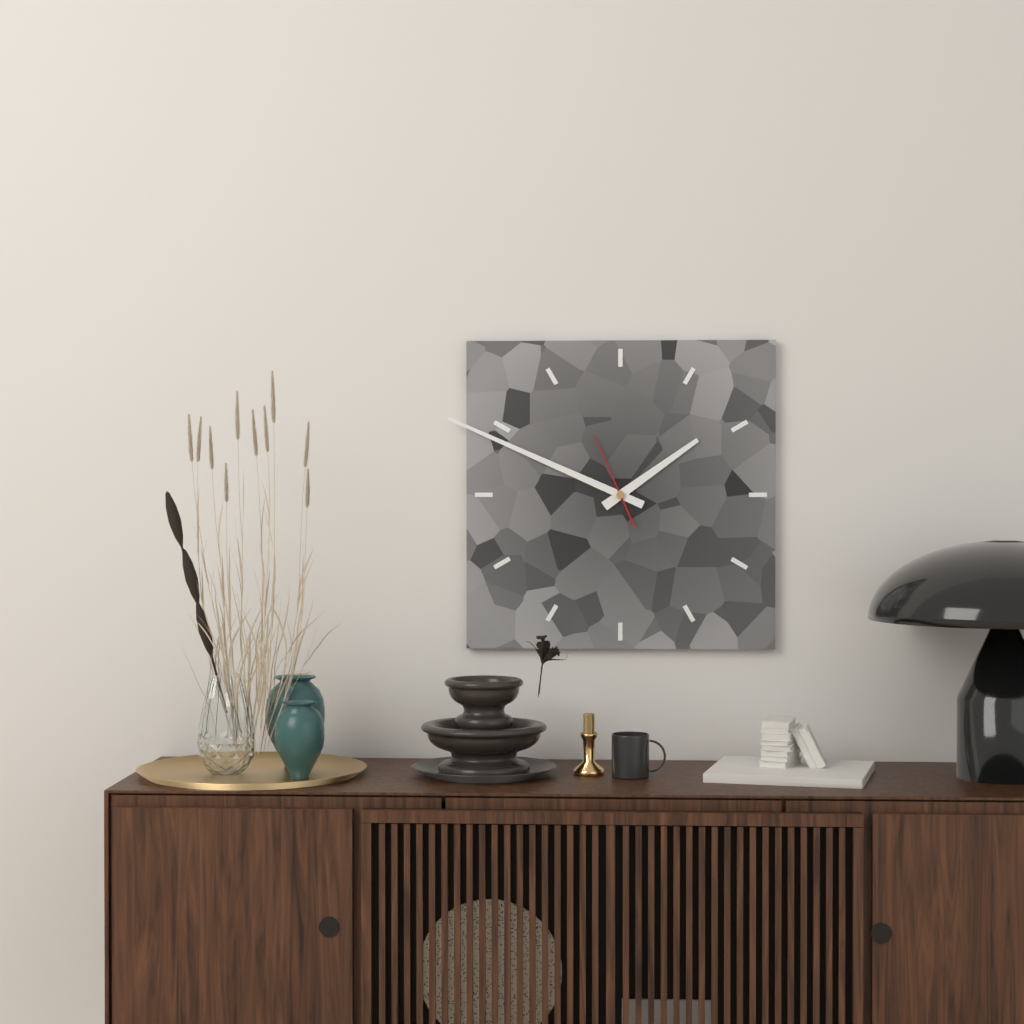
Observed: {"hour": 1, "minute": 49, "second": 56}
